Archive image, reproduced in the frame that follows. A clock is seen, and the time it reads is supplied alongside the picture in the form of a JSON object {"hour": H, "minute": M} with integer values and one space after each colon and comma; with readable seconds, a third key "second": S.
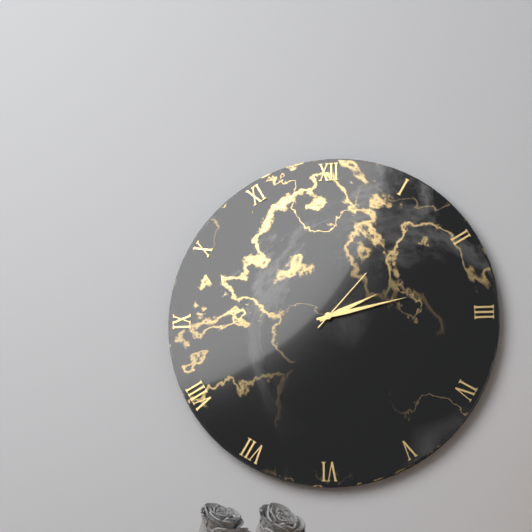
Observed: {"hour": 2, "minute": 13, "second": 7}
